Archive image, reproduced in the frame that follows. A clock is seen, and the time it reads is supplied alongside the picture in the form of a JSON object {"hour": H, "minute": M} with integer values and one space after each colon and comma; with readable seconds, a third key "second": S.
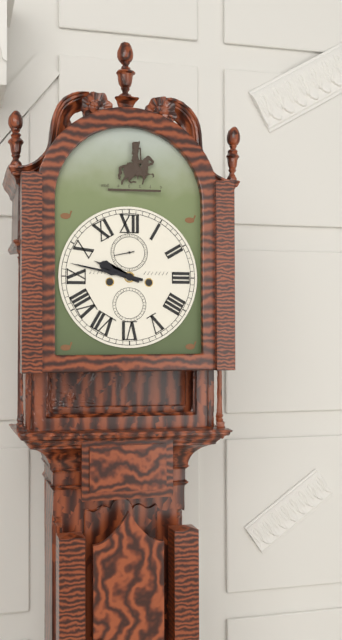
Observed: {"hour": 9, "minute": 47}
